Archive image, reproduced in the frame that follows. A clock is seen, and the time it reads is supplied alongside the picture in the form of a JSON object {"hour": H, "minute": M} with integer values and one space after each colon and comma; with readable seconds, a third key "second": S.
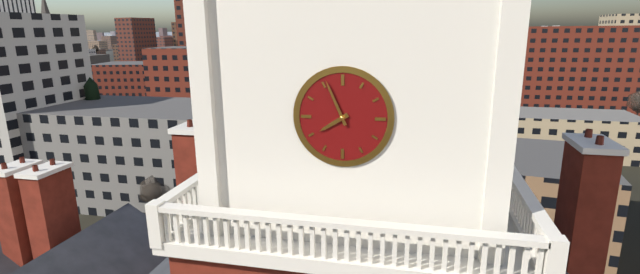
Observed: {"hour": 7, "minute": 56}
